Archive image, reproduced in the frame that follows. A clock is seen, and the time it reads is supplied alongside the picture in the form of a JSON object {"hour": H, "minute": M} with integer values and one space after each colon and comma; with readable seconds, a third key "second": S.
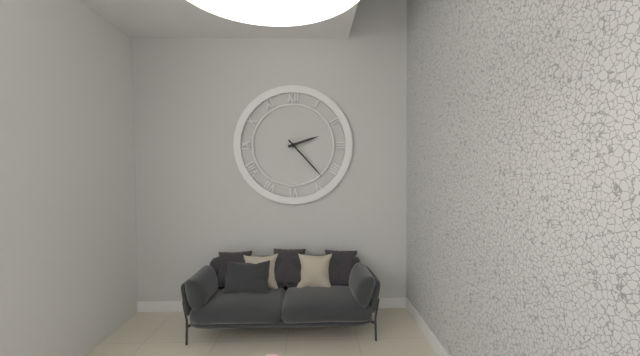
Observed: {"hour": 2, "minute": 23}
